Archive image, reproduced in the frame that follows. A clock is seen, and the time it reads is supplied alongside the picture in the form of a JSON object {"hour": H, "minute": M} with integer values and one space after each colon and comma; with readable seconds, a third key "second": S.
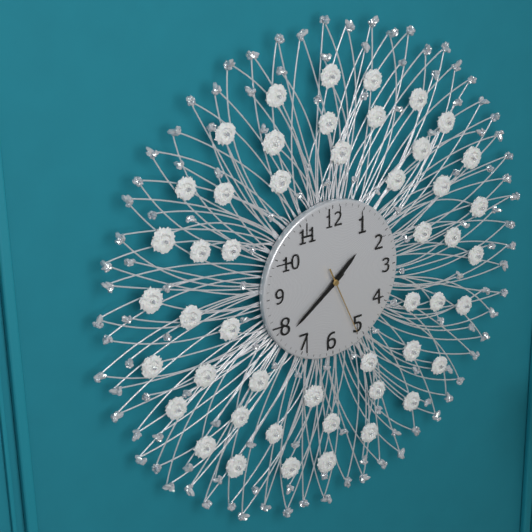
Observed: {"hour": 1, "minute": 39, "second": 26}
